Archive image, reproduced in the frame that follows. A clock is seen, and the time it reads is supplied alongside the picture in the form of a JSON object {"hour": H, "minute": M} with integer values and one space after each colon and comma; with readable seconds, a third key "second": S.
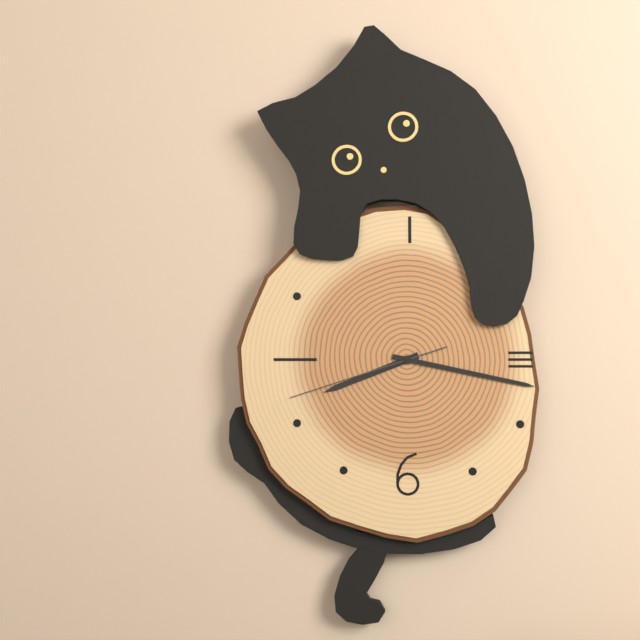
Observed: {"hour": 8, "minute": 17, "second": 42}
